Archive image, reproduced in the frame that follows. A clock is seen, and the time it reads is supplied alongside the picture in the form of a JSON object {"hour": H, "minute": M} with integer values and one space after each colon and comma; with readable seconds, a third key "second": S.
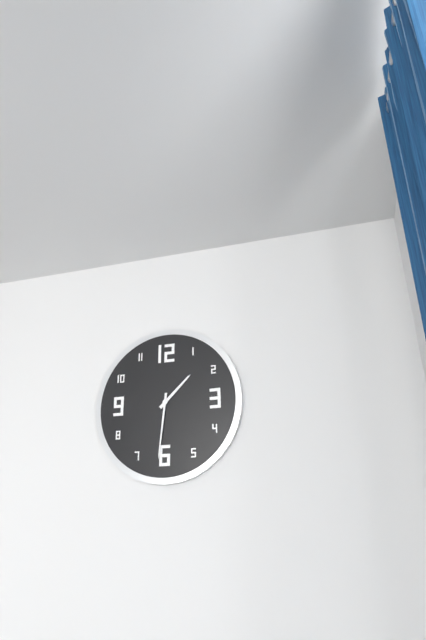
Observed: {"hour": 1, "minute": 31}
